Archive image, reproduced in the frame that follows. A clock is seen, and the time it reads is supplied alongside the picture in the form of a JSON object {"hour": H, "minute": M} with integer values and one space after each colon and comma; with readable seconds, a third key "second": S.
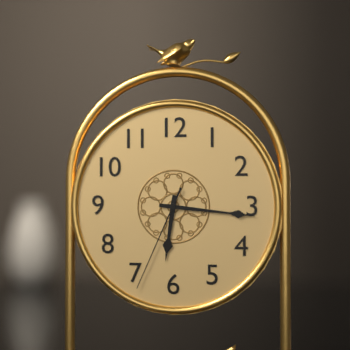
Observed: {"hour": 6, "minute": 16, "second": 34}
